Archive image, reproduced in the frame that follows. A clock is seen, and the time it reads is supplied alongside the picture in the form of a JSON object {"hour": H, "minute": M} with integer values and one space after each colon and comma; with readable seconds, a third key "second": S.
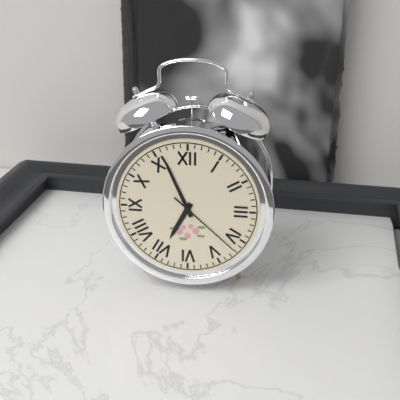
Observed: {"hour": 6, "minute": 56, "second": 22}
